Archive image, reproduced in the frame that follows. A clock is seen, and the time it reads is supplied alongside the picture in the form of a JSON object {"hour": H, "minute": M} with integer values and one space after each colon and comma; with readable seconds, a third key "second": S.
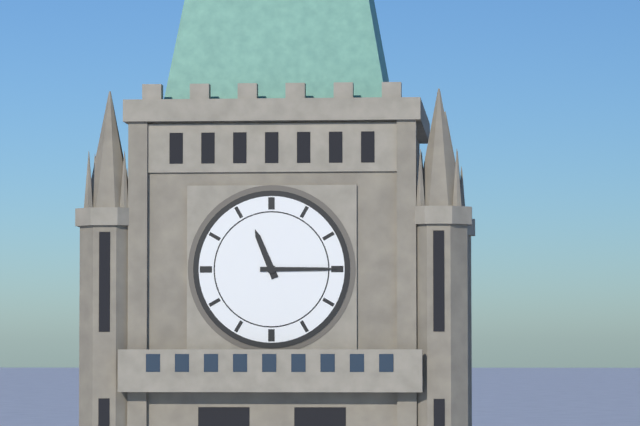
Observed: {"hour": 11, "minute": 15}
